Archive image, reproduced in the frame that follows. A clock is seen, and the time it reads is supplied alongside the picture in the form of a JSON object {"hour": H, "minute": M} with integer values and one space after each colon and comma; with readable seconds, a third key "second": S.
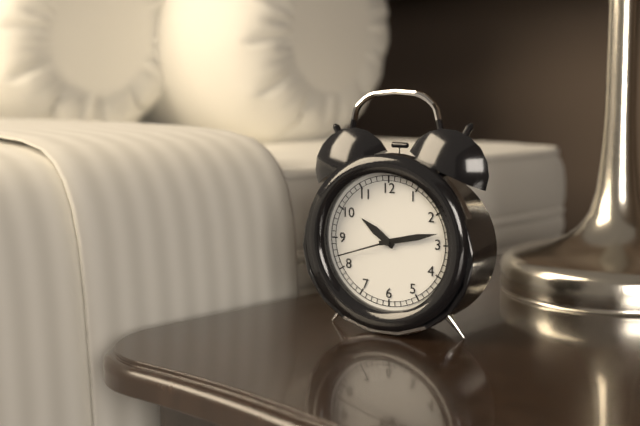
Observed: {"hour": 10, "minute": 13, "second": 42}
